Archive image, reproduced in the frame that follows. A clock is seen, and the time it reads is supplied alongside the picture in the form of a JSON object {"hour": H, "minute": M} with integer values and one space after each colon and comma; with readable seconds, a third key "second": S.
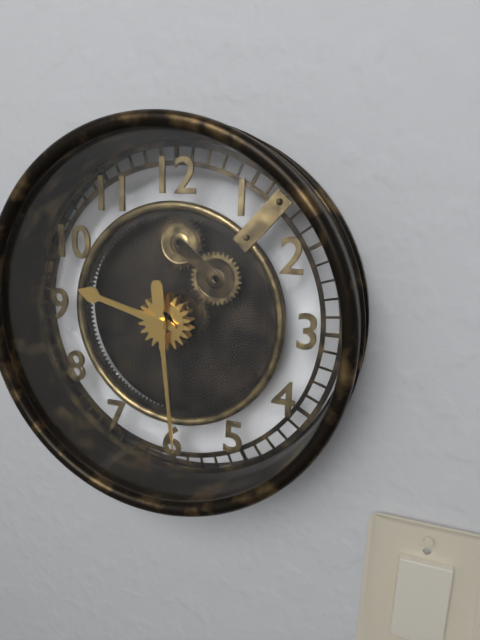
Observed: {"hour": 9, "minute": 29}
